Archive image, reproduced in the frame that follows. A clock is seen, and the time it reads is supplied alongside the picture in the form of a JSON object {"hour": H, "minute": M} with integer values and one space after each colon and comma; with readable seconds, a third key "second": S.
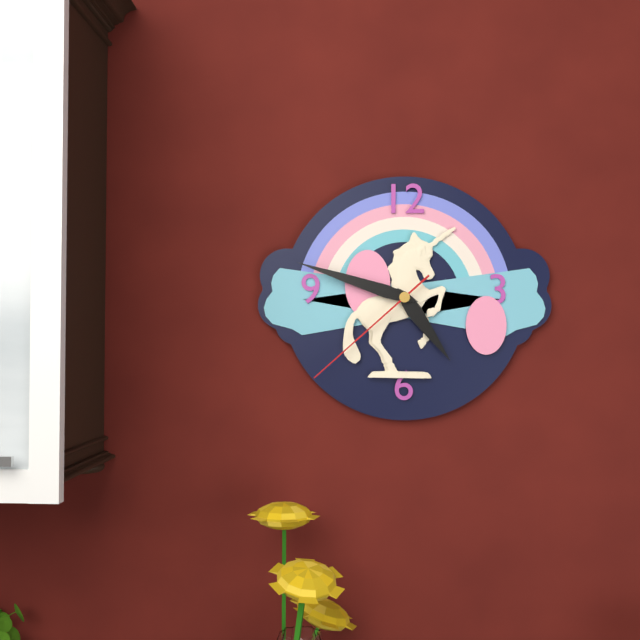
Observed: {"hour": 4, "minute": 48, "second": 38}
